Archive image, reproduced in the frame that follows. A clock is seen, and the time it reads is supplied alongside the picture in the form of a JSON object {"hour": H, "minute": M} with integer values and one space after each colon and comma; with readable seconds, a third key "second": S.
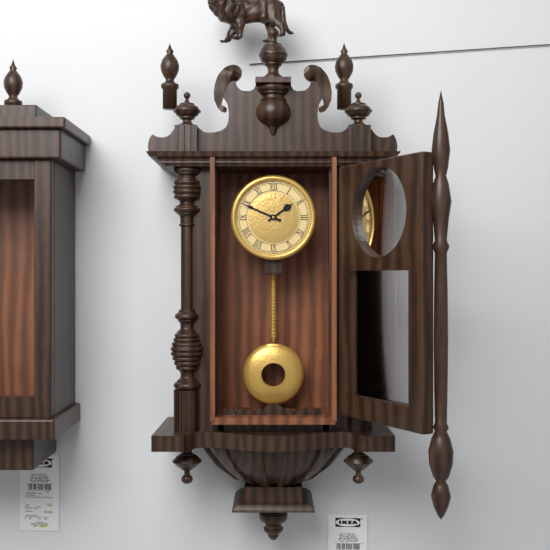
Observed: {"hour": 1, "minute": 49}
